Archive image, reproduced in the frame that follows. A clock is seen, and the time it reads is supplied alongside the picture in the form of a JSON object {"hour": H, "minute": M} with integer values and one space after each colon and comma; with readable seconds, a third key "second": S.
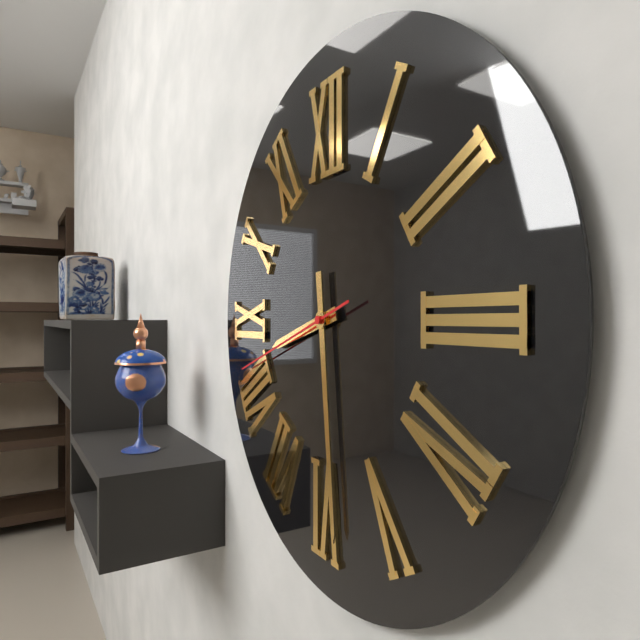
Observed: {"hour": 8, "minute": 29, "second": 42}
